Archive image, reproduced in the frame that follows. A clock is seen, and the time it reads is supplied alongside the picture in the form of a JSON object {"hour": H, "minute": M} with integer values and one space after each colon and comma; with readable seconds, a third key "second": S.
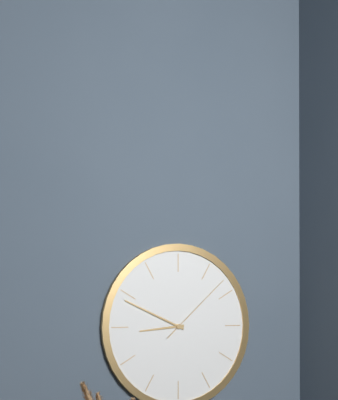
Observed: {"hour": 8, "minute": 49, "second": 8}
